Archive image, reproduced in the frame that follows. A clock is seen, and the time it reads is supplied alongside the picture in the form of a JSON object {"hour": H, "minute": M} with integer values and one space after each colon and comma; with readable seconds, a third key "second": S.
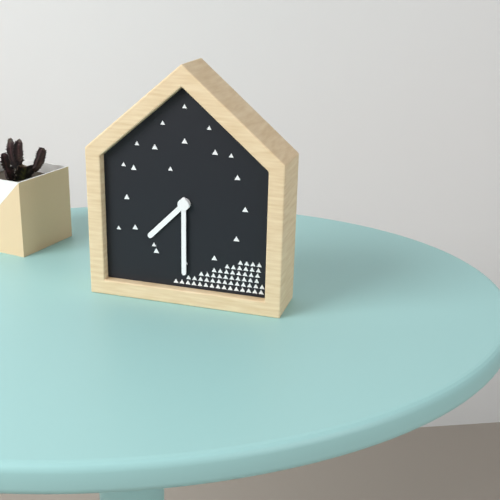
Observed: {"hour": 7, "minute": 30}
